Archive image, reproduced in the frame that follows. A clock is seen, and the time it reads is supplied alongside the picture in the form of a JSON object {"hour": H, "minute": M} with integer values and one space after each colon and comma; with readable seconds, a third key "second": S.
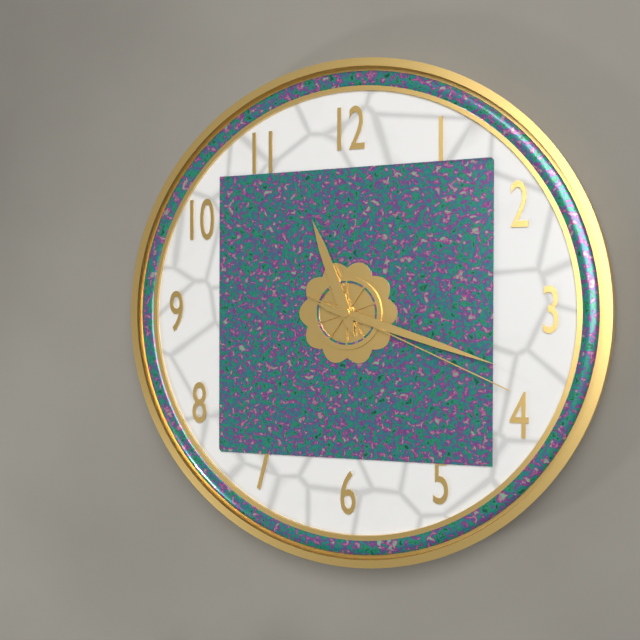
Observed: {"hour": 11, "minute": 18, "second": 19}
